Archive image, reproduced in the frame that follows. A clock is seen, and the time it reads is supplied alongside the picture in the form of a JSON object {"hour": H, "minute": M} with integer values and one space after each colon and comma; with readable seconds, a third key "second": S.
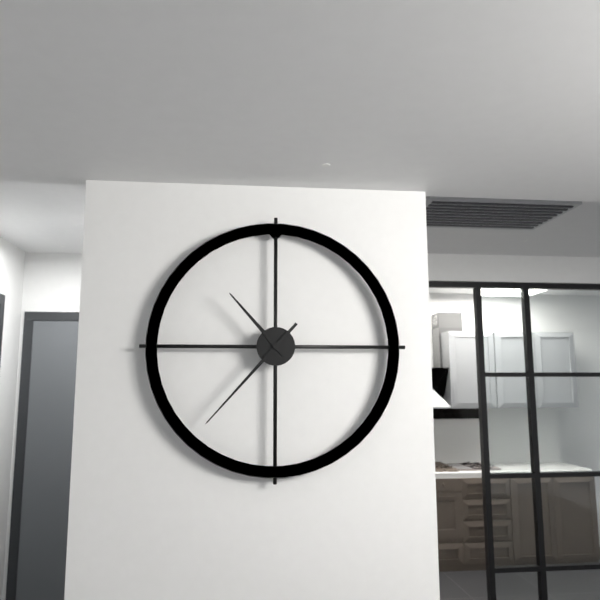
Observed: {"hour": 10, "minute": 37}
